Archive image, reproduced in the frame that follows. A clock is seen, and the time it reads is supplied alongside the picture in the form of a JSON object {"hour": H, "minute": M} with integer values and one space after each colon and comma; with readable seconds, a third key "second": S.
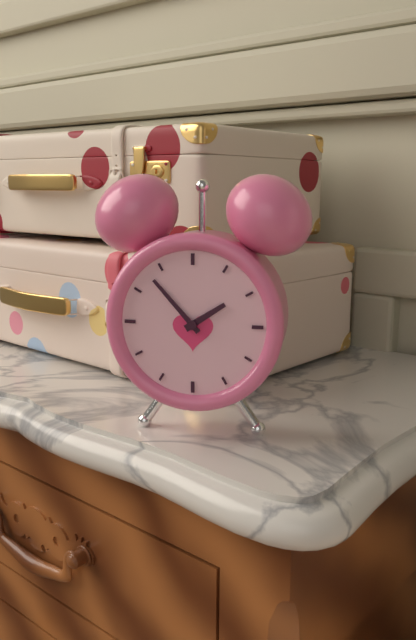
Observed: {"hour": 1, "minute": 53}
